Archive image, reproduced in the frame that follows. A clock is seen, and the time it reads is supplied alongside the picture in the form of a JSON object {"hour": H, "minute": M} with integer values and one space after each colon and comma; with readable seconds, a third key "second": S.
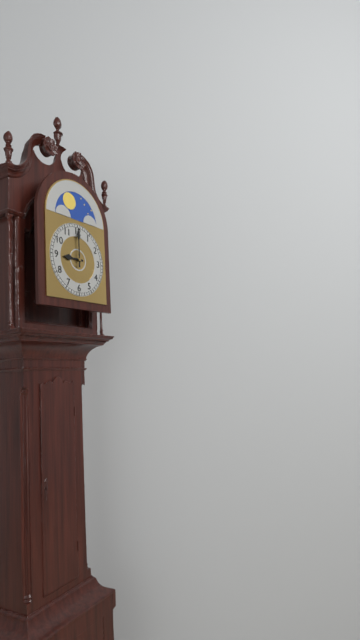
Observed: {"hour": 9, "minute": 0}
